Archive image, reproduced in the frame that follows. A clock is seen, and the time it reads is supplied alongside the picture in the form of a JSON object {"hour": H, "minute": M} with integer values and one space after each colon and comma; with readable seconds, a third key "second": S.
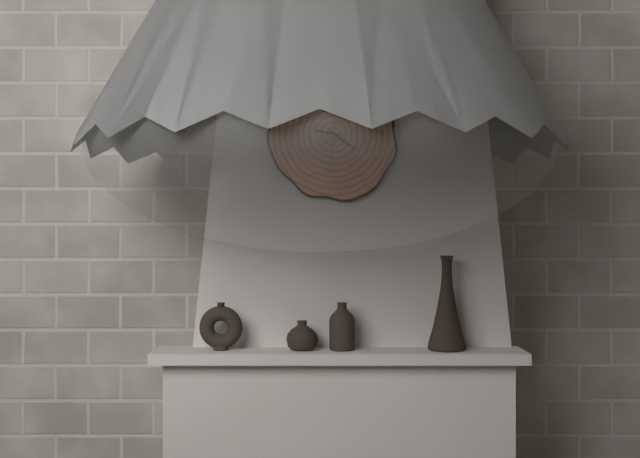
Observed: {"hour": 9, "minute": 21}
